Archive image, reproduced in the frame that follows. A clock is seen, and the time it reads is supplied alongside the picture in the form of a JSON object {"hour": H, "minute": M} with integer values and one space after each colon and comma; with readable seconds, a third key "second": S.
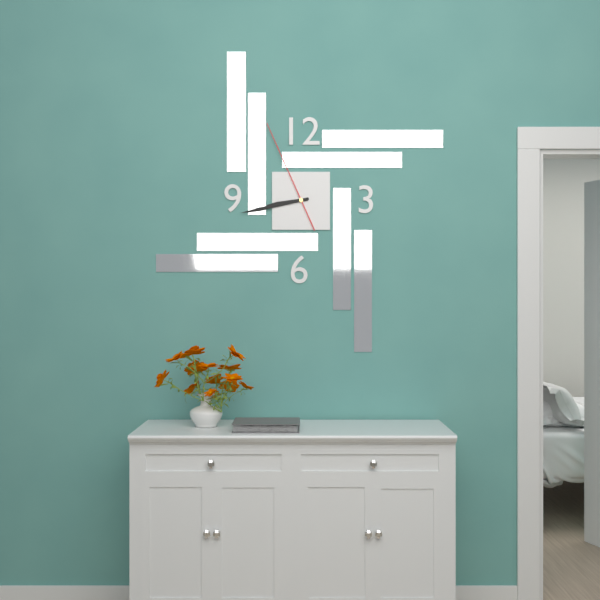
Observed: {"hour": 8, "minute": 43, "second": 56}
